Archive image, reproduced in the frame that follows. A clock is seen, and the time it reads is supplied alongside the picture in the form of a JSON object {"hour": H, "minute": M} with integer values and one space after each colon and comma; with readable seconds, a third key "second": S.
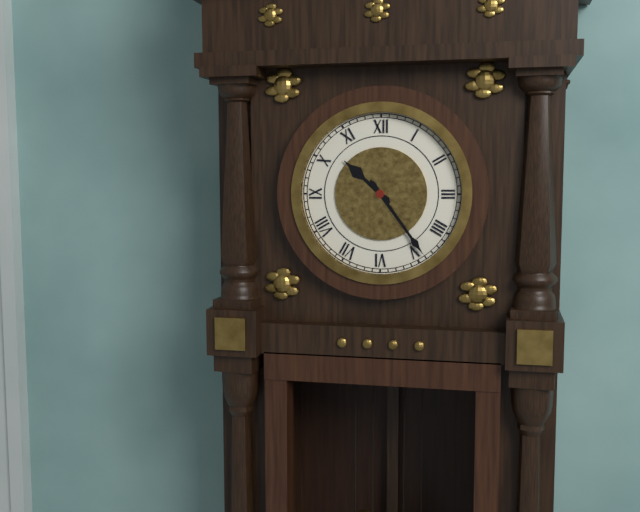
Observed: {"hour": 10, "minute": 24}
